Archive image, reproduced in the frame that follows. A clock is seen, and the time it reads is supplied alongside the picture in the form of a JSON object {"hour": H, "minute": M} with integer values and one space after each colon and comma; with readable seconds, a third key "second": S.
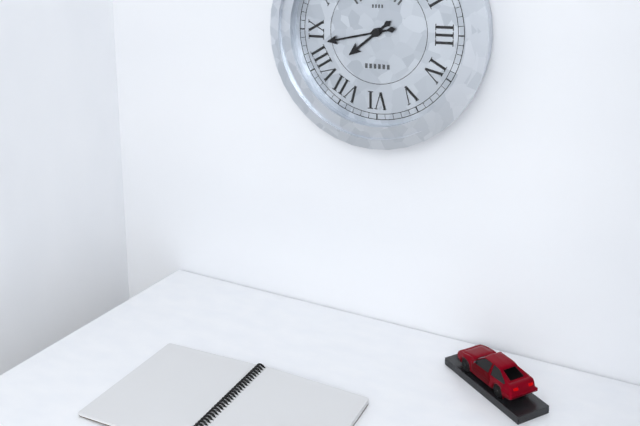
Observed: {"hour": 7, "minute": 43}
